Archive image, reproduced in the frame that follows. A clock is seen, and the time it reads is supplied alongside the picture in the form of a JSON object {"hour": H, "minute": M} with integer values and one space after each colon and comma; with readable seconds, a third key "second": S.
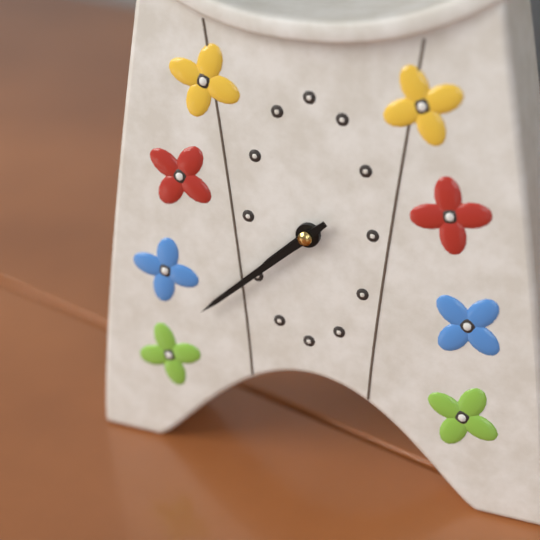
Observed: {"hour": 7, "minute": 38}
